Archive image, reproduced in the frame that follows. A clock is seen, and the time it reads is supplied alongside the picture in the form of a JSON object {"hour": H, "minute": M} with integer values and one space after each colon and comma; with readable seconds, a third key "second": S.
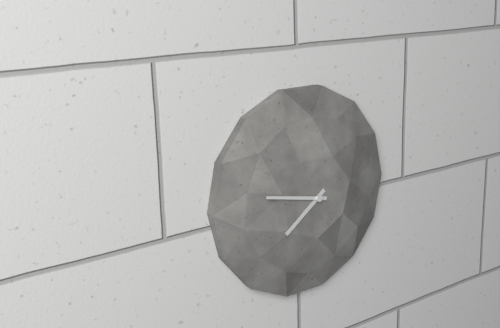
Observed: {"hour": 7, "minute": 47}
